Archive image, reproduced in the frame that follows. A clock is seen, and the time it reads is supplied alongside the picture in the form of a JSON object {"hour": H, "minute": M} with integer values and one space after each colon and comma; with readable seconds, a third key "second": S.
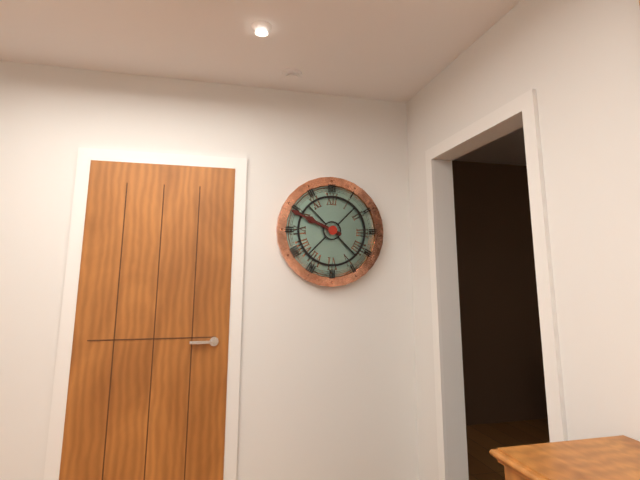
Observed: {"hour": 9, "minute": 49}
